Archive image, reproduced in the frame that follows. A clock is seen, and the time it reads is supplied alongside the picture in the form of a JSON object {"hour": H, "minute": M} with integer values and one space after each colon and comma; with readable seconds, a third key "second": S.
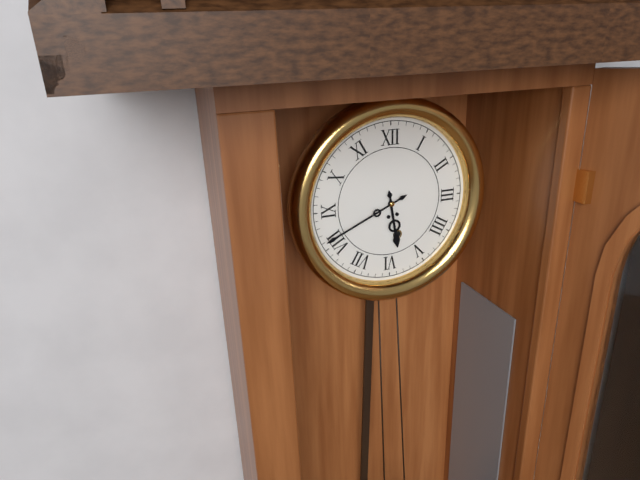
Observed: {"hour": 5, "minute": 41}
